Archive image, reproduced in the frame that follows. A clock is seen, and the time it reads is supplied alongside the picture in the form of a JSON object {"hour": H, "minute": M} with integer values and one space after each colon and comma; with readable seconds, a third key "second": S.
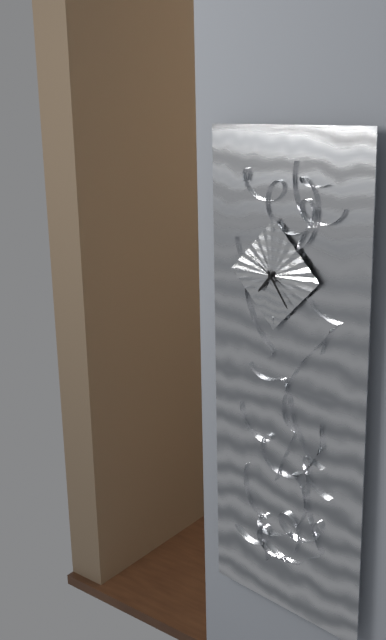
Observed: {"hour": 7, "minute": 24}
